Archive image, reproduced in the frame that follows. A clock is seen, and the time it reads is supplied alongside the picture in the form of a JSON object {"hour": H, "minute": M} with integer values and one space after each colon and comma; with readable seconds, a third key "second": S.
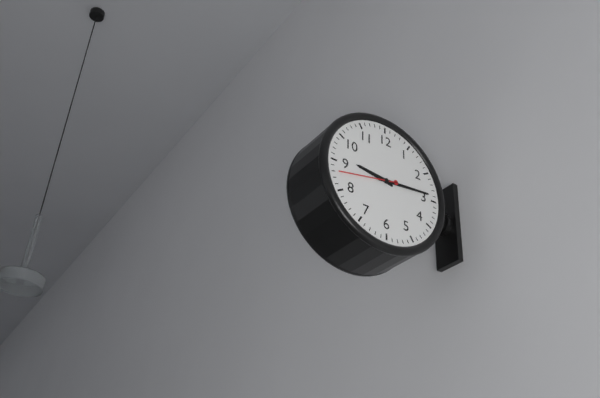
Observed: {"hour": 9, "minute": 14}
